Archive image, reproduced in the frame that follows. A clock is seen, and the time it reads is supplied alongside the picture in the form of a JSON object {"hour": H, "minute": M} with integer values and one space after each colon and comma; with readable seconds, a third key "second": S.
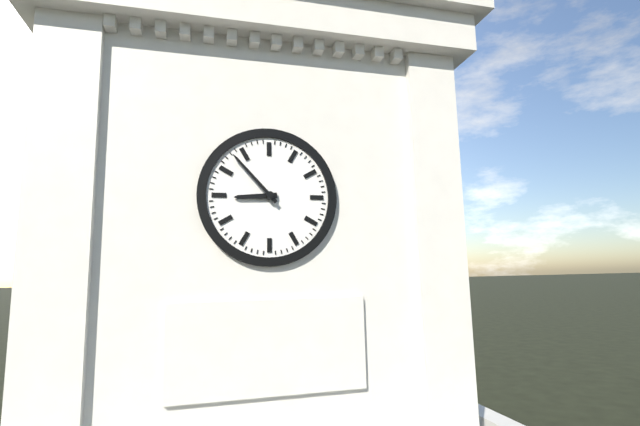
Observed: {"hour": 8, "minute": 53}
